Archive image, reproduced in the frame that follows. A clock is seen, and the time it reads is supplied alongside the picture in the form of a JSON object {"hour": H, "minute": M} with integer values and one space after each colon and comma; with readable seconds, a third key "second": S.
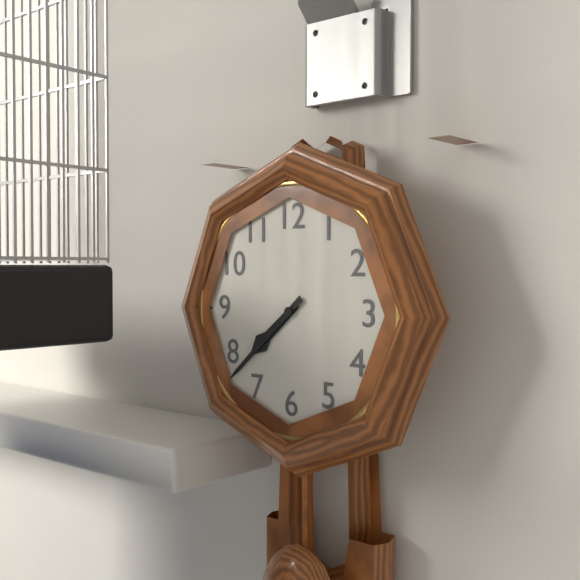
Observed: {"hour": 7, "minute": 38}
